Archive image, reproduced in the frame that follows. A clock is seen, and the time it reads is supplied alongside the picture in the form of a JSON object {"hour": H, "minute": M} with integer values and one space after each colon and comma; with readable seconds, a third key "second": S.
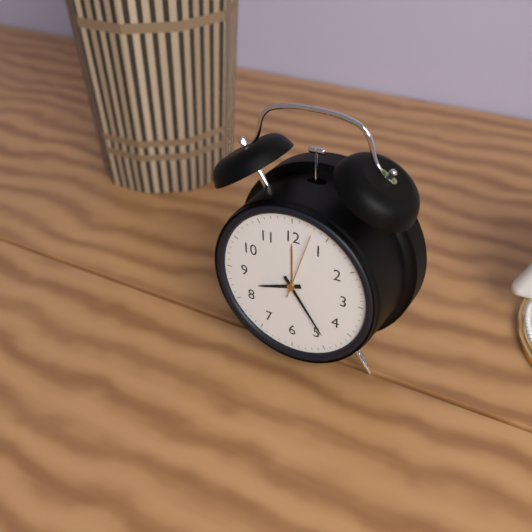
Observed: {"hour": 8, "minute": 24, "second": 3}
